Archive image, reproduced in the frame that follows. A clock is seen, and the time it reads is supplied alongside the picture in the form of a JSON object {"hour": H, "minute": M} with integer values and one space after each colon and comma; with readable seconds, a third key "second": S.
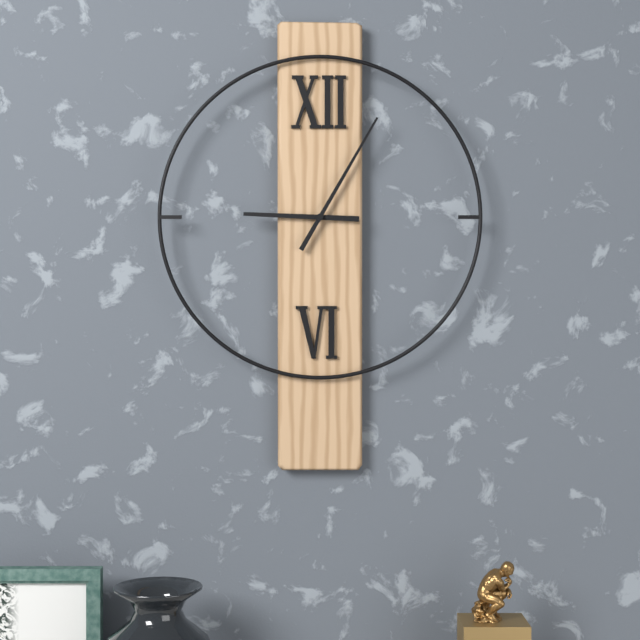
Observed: {"hour": 9, "minute": 5}
